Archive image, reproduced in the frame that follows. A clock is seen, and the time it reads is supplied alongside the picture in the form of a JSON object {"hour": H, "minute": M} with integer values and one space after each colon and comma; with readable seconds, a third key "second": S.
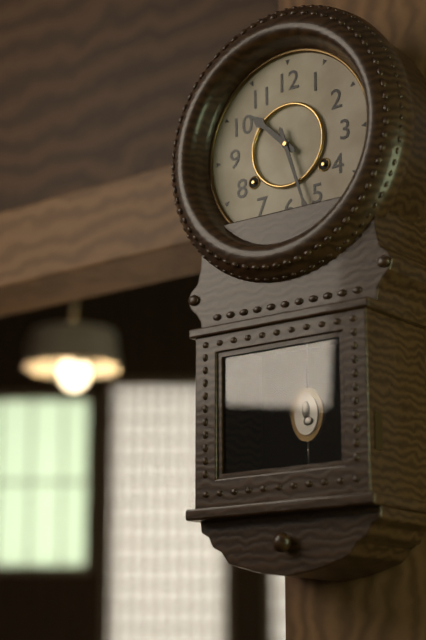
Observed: {"hour": 10, "minute": 27}
